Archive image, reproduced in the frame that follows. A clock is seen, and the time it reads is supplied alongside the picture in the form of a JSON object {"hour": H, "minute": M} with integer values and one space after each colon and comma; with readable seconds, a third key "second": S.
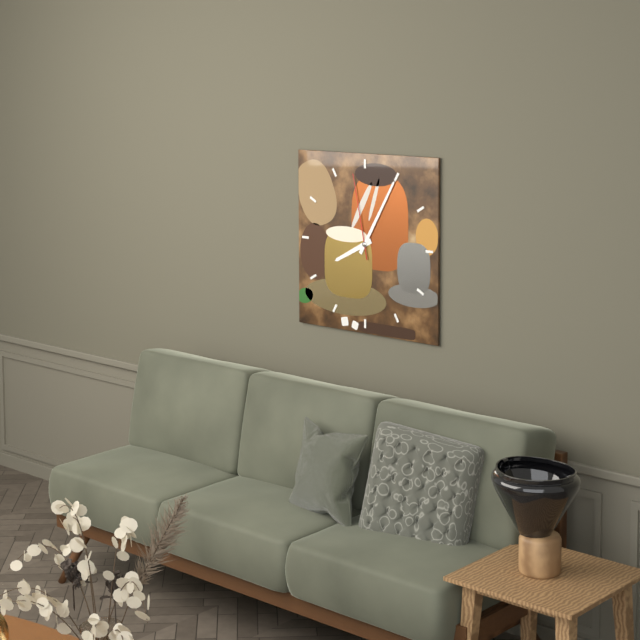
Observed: {"hour": 8, "minute": 5, "second": 58}
